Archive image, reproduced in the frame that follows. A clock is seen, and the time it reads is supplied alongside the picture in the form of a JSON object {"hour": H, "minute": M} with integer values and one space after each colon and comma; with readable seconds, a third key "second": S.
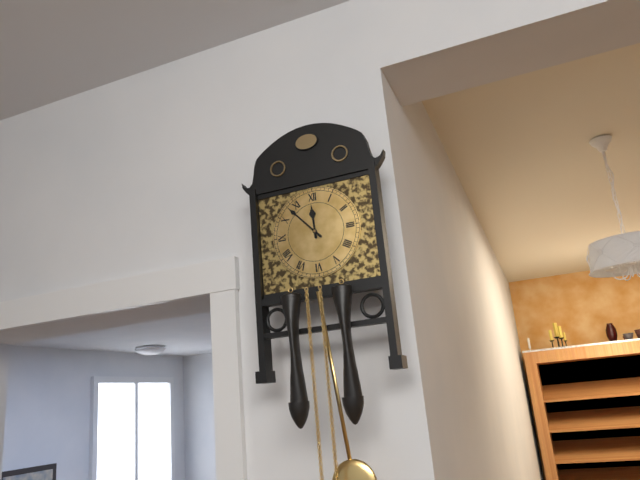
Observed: {"hour": 11, "minute": 53}
